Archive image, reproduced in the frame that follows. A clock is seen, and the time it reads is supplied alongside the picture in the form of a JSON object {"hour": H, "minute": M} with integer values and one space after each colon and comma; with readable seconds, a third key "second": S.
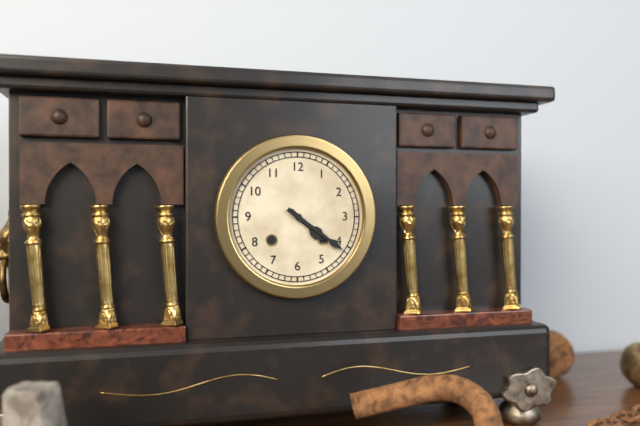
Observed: {"hour": 4, "minute": 21}
